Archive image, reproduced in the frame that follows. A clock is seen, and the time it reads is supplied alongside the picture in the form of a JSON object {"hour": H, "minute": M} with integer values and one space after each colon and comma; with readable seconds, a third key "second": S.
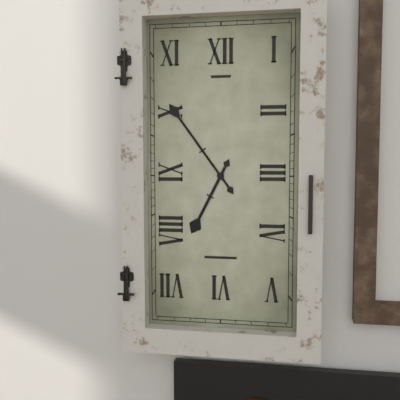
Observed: {"hour": 6, "minute": 54}
